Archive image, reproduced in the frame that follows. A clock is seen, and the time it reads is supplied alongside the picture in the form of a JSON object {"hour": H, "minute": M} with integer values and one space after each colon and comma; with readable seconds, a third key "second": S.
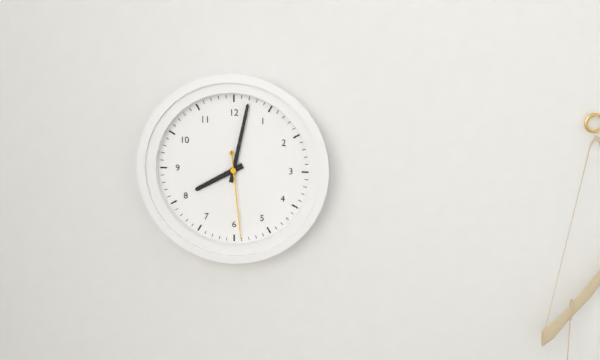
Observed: {"hour": 8, "minute": 2, "second": 29}
